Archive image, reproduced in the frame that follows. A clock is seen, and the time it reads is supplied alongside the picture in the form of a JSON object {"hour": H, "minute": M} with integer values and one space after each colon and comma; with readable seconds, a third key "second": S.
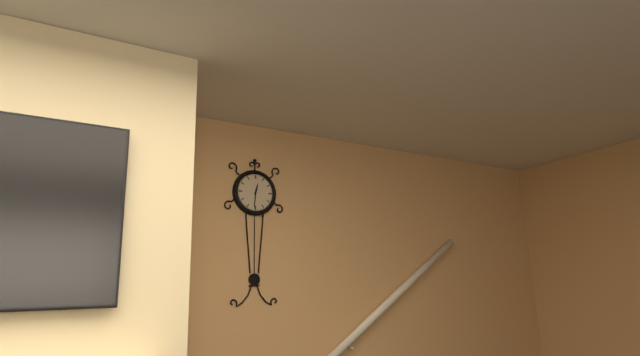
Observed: {"hour": 12, "minute": 31}
